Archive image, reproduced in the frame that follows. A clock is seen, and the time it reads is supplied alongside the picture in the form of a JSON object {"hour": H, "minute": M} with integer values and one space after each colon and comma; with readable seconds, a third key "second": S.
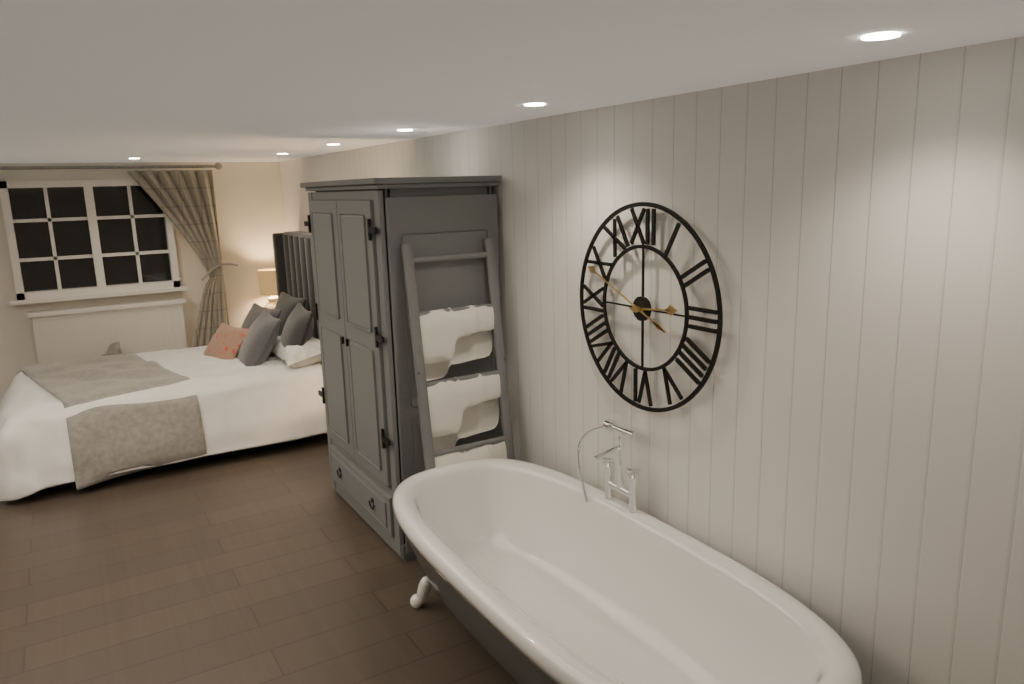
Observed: {"hour": 2, "minute": 49}
